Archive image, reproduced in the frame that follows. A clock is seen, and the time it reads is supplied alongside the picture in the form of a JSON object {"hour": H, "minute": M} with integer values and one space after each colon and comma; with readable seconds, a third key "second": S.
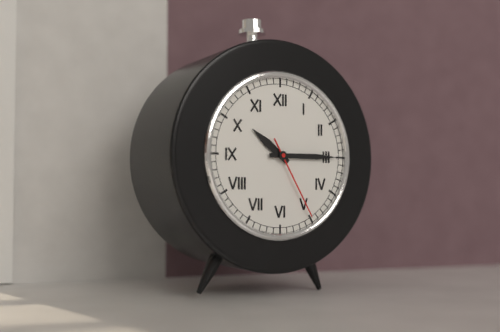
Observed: {"hour": 10, "minute": 15, "second": 25}
